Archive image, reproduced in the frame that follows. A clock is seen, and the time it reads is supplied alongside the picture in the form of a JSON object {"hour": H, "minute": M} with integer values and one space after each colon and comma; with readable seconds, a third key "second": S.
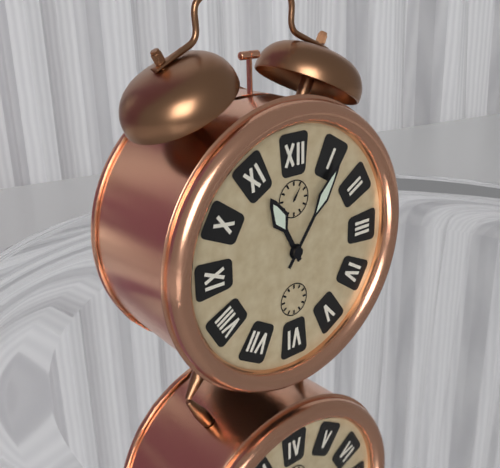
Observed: {"hour": 11, "minute": 6}
